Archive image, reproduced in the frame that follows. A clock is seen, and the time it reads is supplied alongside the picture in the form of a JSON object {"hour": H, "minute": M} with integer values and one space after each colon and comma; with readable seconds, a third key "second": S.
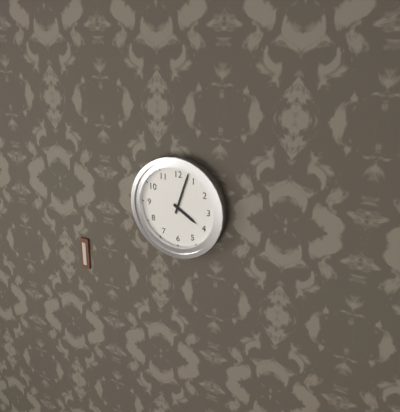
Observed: {"hour": 4, "minute": 3}
